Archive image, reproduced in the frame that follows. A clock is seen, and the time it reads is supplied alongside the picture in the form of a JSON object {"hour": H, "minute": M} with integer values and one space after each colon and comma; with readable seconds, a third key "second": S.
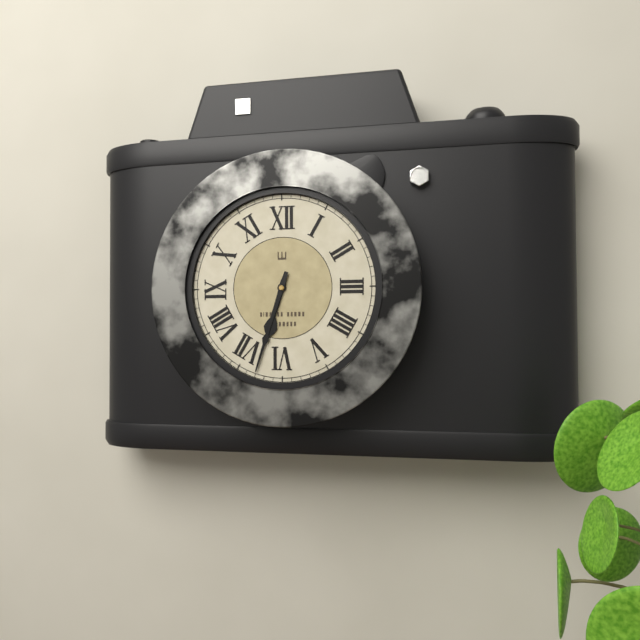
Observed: {"hour": 6, "minute": 33}
